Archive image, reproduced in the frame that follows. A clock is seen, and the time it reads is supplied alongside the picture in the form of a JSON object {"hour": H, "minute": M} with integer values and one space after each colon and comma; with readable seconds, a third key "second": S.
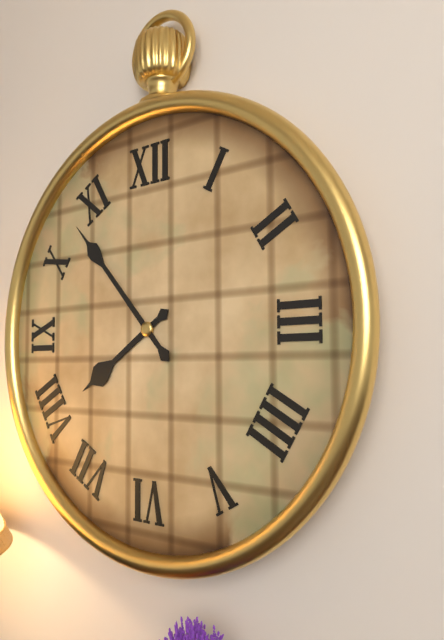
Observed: {"hour": 7, "minute": 53}
